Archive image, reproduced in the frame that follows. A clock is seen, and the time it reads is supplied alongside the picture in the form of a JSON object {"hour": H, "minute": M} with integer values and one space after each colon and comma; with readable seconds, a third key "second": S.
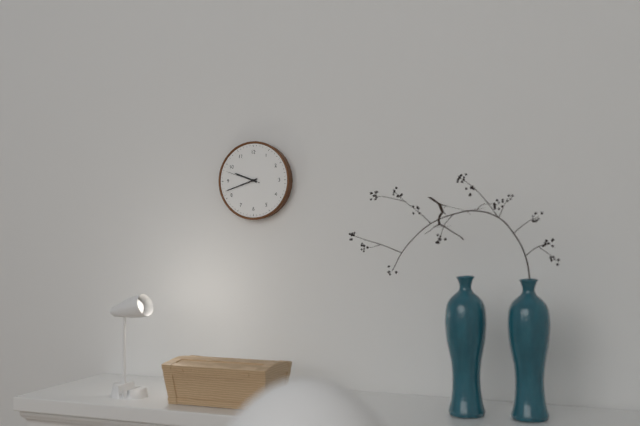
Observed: {"hour": 9, "minute": 42}
